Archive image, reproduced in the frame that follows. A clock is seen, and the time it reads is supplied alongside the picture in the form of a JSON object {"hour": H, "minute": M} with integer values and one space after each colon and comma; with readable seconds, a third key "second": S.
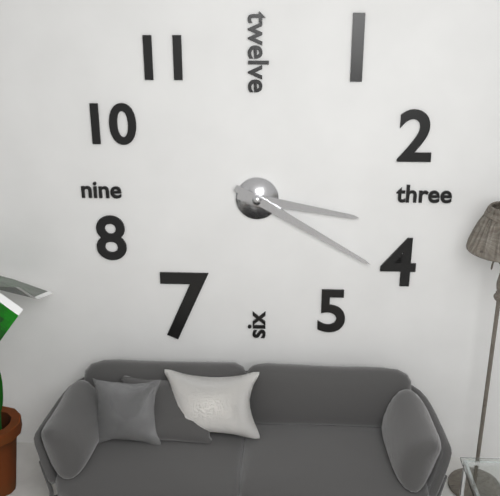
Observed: {"hour": 3, "minute": 20}
